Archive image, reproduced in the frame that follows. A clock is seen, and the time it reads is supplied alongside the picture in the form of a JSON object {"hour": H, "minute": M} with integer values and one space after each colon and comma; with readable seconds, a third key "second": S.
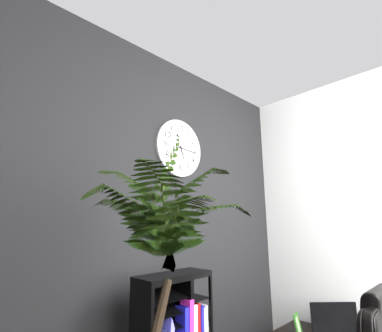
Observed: {"hour": 5, "minute": 16}
